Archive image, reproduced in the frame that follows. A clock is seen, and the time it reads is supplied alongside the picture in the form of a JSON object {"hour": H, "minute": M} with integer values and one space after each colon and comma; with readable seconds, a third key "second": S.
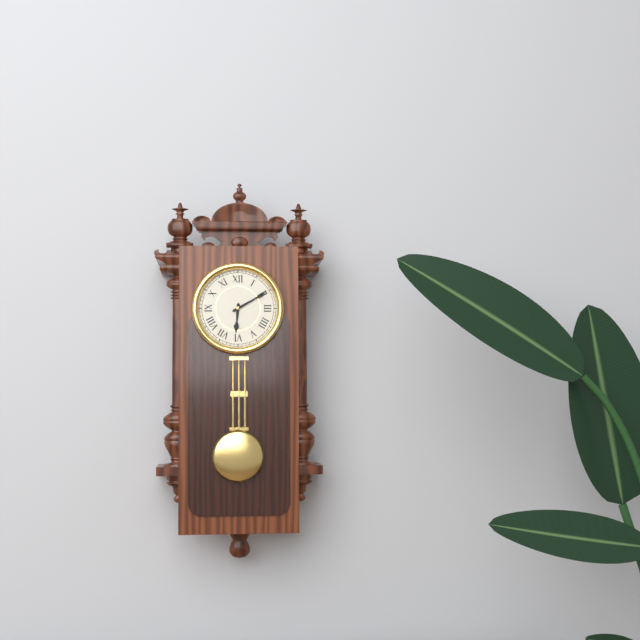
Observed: {"hour": 6, "minute": 10}
